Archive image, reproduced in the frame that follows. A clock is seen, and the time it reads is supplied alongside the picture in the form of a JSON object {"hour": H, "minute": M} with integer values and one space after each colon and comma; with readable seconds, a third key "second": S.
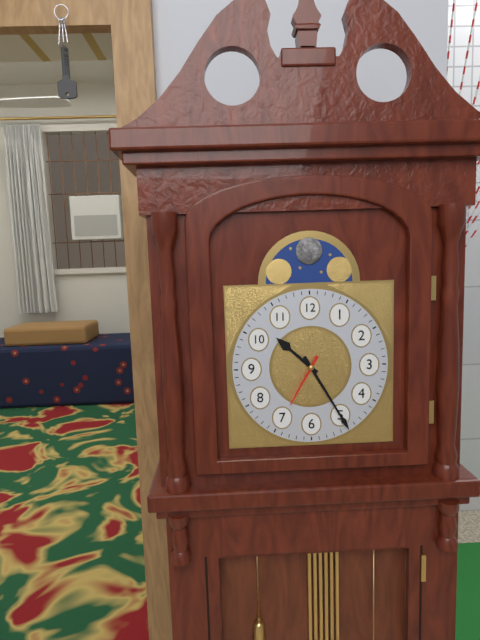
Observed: {"hour": 10, "minute": 25, "second": 35}
